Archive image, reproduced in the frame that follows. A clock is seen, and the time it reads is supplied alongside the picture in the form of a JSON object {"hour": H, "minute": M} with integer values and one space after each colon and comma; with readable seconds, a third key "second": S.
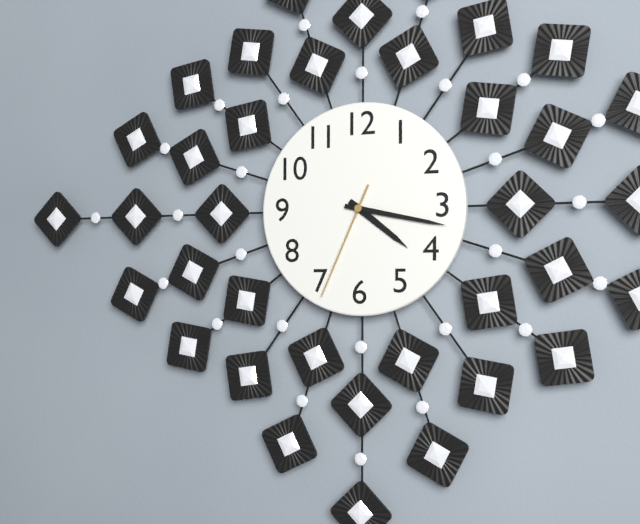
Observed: {"hour": 4, "minute": 17, "second": 34}
